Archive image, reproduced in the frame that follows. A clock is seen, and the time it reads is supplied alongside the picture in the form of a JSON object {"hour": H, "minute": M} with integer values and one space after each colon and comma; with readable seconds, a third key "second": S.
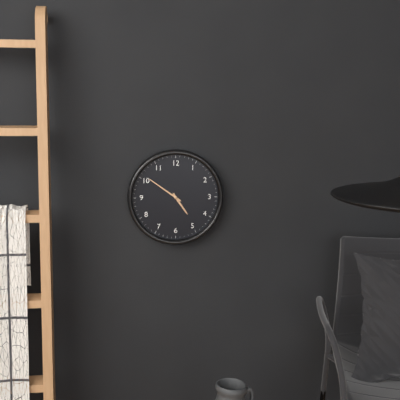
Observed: {"hour": 4, "minute": 51}
